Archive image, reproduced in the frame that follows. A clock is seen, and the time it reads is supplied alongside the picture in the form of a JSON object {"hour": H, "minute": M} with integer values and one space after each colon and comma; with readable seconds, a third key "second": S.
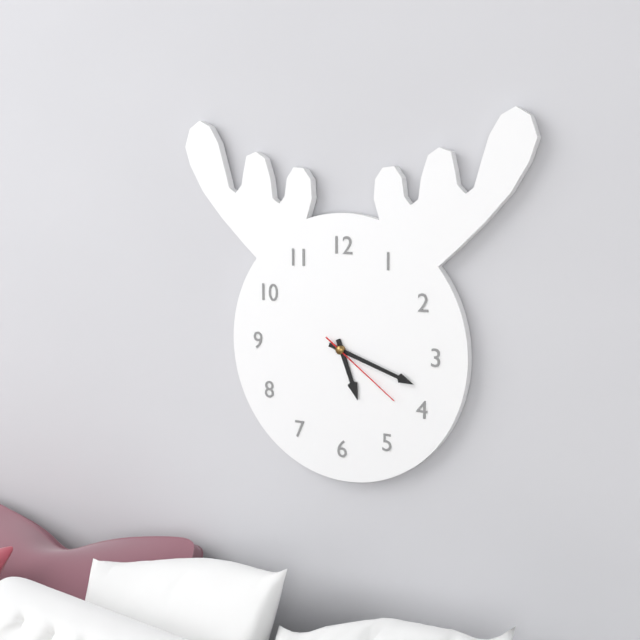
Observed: {"hour": 5, "minute": 18, "second": 21}
